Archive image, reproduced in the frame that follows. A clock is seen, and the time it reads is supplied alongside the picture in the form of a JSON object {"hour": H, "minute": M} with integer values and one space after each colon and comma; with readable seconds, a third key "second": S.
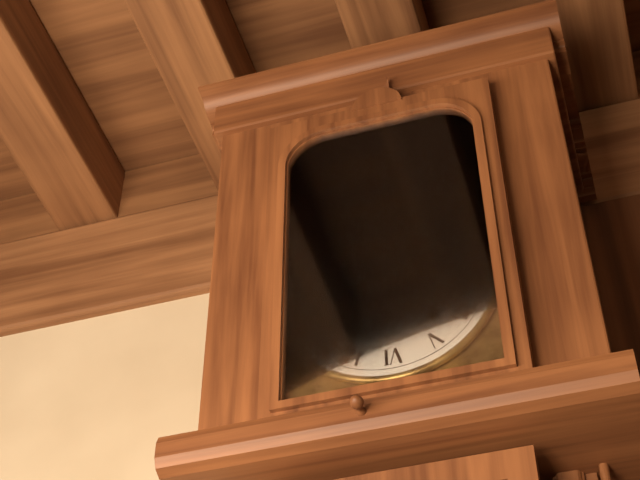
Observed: {"hour": 1, "minute": 42}
